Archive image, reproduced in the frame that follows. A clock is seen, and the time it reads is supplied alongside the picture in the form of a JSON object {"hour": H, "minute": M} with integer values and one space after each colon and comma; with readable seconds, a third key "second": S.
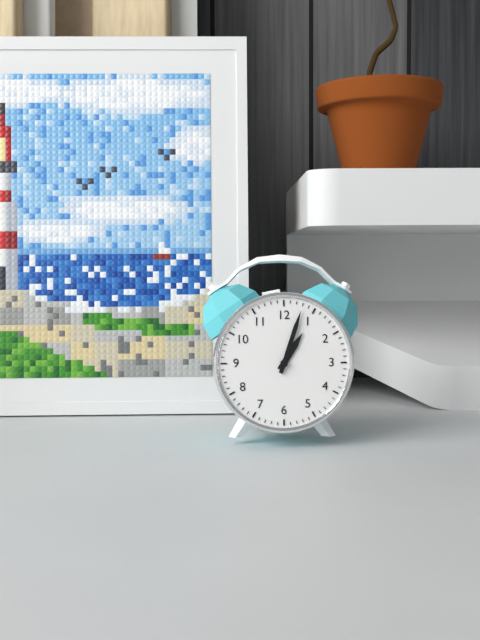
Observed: {"hour": 1, "minute": 3}
